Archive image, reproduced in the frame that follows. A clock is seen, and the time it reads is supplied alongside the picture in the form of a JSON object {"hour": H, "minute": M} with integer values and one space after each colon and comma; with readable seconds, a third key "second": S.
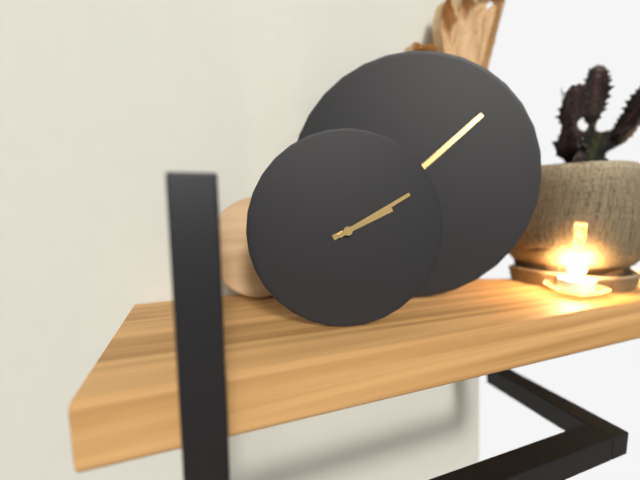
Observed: {"hour": 2, "minute": 10}
